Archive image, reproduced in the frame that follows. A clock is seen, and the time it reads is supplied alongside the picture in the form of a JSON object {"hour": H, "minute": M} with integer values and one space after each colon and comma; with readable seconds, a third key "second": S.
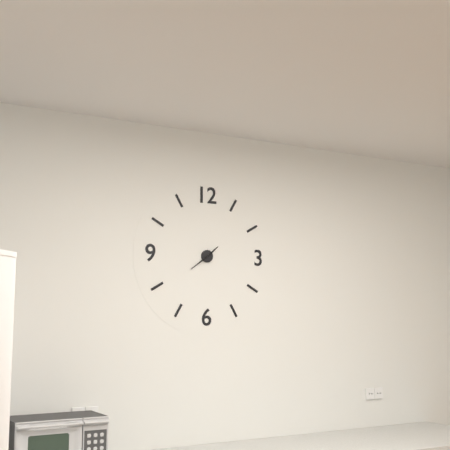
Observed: {"hour": 1, "minute": 39}
